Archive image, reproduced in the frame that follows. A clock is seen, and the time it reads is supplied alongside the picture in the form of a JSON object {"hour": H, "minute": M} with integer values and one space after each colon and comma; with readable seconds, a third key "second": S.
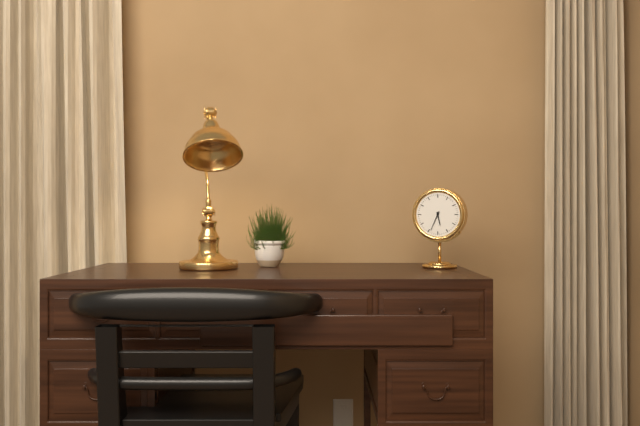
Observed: {"hour": 5, "minute": 34}
